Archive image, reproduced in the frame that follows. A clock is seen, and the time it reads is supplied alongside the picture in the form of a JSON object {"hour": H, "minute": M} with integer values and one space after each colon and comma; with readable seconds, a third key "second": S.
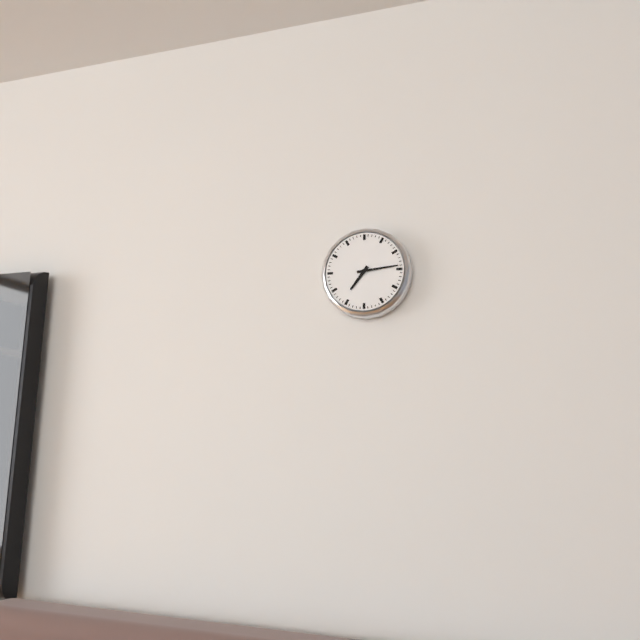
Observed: {"hour": 7, "minute": 14}
